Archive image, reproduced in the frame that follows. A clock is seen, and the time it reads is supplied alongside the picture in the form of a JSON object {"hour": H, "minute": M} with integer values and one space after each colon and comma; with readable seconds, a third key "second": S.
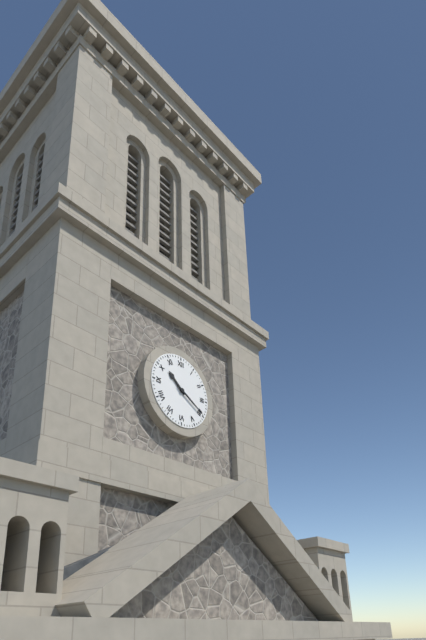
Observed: {"hour": 10, "minute": 20}
